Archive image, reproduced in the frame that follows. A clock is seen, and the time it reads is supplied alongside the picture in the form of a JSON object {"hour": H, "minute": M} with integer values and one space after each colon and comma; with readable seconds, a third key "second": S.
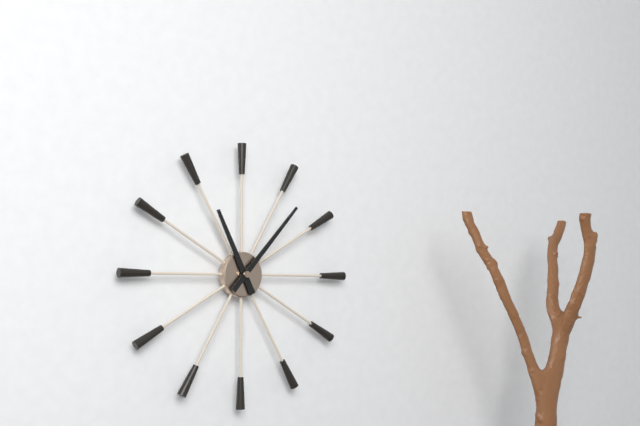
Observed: {"hour": 11, "minute": 7}
